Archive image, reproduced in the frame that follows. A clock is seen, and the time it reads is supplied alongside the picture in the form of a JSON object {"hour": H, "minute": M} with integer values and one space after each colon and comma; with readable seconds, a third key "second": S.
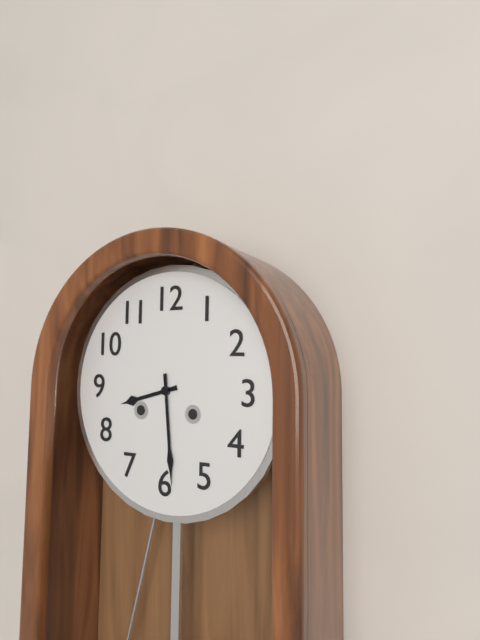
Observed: {"hour": 8, "minute": 29}
